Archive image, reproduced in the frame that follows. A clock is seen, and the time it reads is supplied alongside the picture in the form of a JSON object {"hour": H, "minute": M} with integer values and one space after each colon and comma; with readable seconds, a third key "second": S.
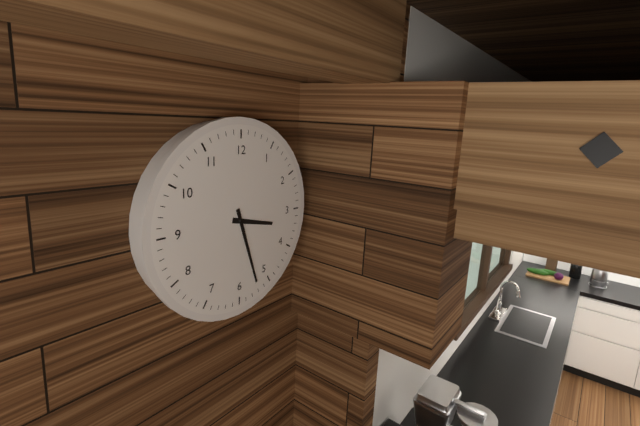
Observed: {"hour": 3, "minute": 27}
